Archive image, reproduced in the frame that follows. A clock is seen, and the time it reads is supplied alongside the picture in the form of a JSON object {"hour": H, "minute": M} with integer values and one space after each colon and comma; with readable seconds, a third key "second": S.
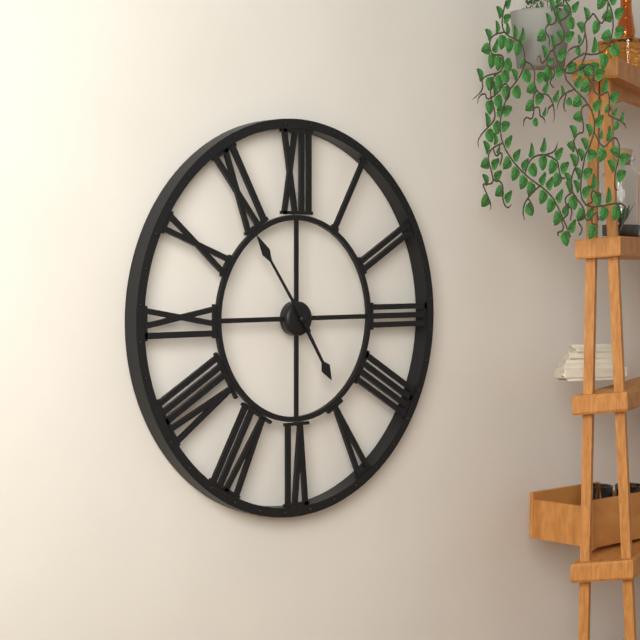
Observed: {"hour": 4, "minute": 54}
